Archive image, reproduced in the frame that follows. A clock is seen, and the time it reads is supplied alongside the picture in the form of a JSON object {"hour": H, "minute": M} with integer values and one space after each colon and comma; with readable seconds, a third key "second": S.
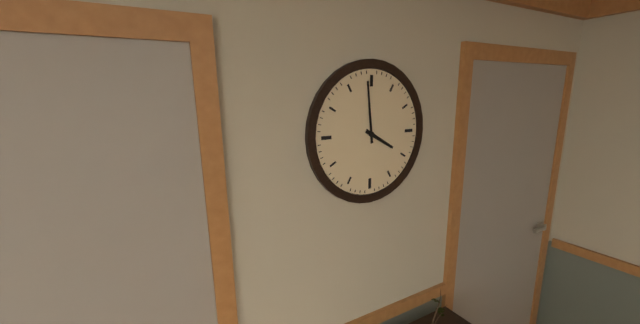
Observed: {"hour": 3, "minute": 59}
